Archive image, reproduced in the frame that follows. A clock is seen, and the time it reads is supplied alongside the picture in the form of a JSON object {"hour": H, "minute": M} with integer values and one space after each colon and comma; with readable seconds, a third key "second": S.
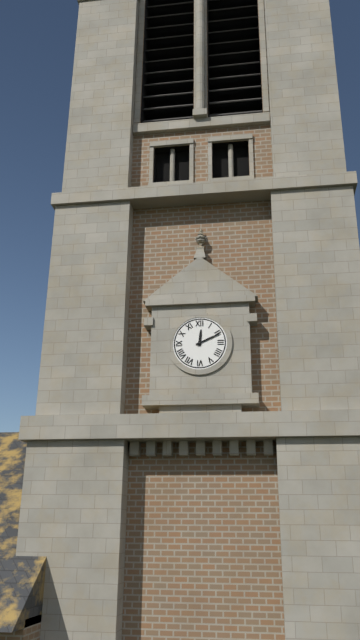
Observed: {"hour": 12, "minute": 11}
